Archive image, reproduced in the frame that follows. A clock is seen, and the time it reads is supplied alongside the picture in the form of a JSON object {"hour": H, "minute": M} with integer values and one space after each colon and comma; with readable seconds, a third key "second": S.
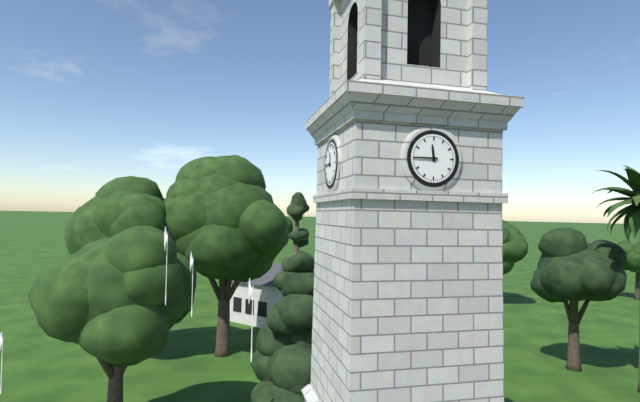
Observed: {"hour": 11, "minute": 45}
